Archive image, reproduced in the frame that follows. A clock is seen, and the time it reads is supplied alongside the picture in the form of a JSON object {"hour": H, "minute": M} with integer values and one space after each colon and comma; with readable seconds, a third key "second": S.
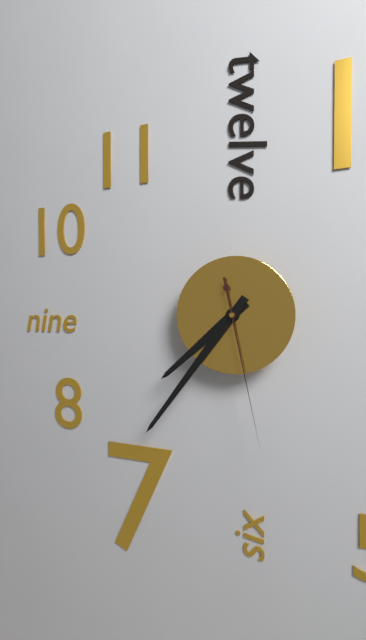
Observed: {"hour": 7, "minute": 36, "second": 28}
